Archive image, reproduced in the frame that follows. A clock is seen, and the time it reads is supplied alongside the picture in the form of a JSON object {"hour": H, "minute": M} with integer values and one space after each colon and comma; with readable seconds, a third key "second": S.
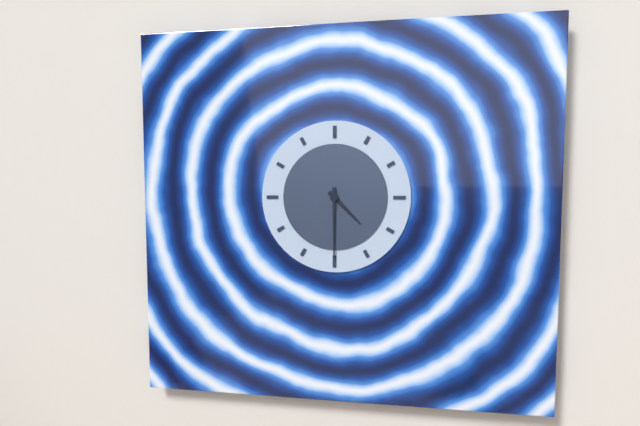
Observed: {"hour": 4, "minute": 30}
